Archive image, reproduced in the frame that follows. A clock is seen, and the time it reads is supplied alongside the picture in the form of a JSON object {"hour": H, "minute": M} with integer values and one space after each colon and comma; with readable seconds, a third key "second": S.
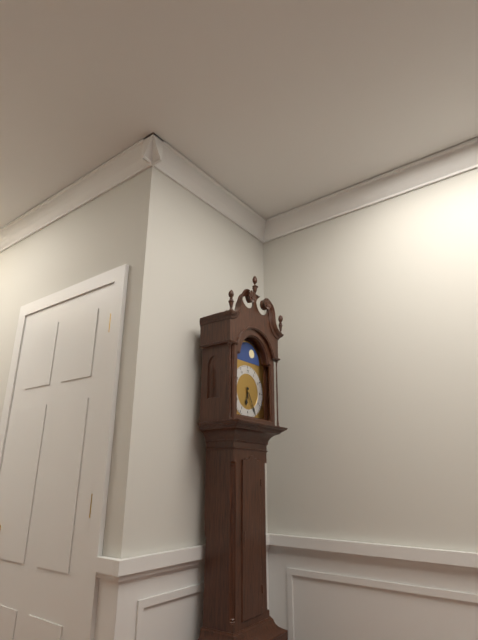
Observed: {"hour": 6, "minute": 25}
